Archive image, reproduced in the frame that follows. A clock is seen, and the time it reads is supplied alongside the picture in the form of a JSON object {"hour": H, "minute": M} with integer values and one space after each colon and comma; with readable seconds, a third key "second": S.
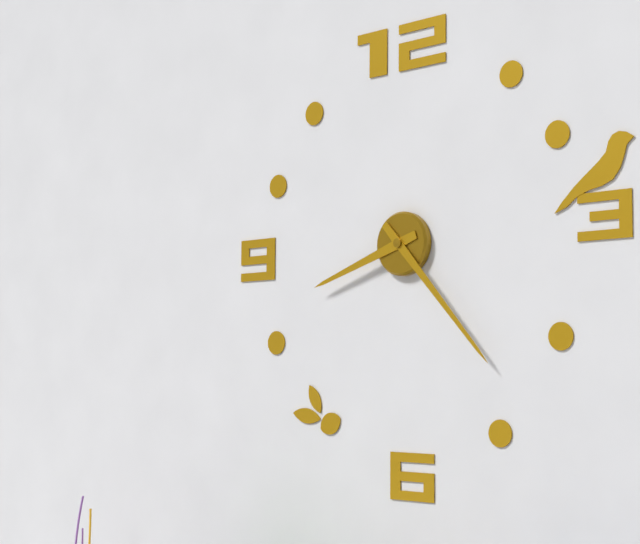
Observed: {"hour": 8, "minute": 23}
